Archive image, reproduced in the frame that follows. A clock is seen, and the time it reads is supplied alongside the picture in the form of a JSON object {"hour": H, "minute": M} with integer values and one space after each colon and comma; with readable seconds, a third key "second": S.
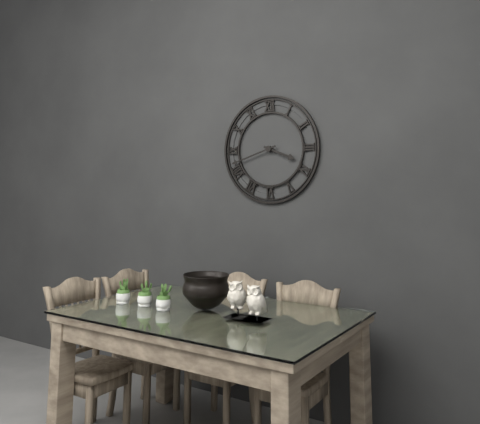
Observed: {"hour": 3, "minute": 42}
